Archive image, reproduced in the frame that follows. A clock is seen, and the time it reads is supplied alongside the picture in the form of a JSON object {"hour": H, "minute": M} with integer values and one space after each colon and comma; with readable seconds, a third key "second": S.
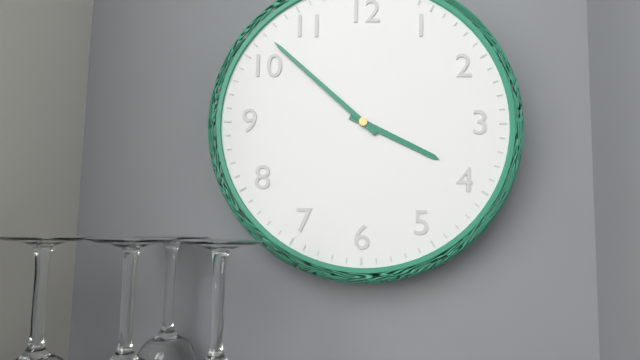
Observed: {"hour": 3, "minute": 52}
